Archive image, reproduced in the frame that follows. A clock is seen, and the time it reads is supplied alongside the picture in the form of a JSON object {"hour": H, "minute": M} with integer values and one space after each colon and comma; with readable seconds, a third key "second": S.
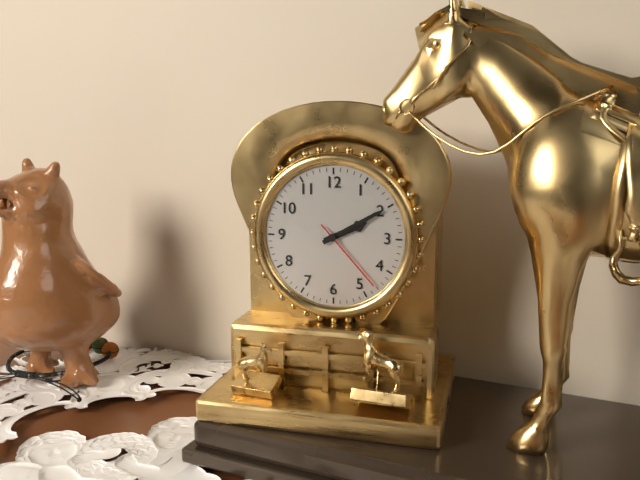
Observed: {"hour": 2, "minute": 10, "second": 23}
